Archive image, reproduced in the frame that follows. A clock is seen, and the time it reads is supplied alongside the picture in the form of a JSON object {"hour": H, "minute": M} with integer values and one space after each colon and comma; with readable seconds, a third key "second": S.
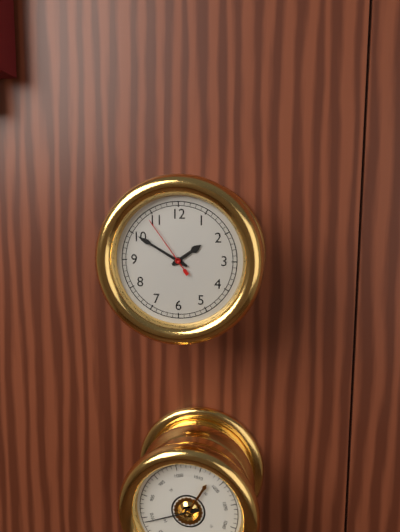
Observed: {"hour": 1, "minute": 50, "second": 54}
